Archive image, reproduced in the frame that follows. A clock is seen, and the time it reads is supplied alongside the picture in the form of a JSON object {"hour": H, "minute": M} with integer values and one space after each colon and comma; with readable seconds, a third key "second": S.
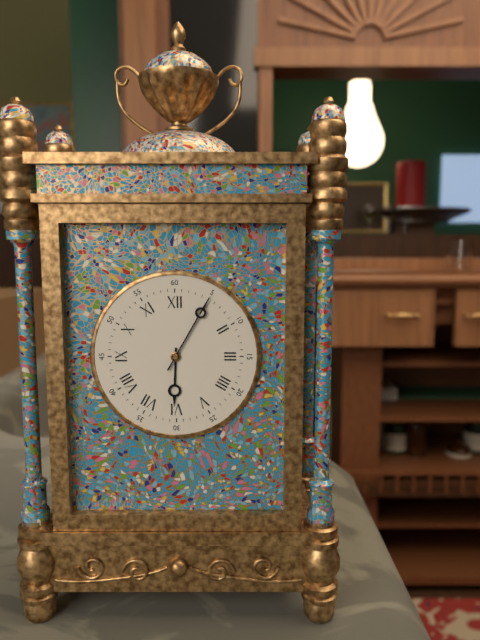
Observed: {"hour": 6, "minute": 5}
